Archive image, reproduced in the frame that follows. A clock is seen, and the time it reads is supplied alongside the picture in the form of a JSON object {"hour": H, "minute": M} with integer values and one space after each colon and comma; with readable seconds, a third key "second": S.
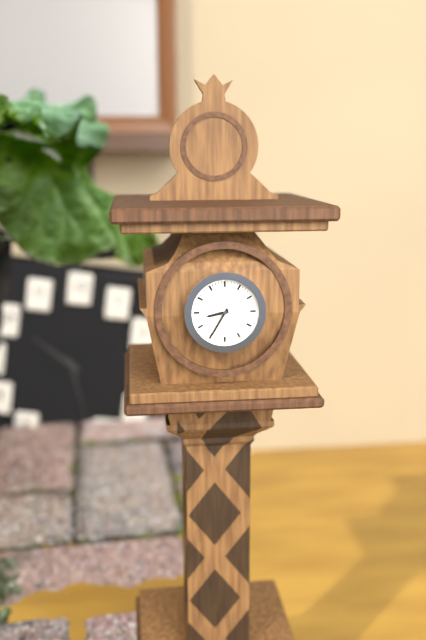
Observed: {"hour": 8, "minute": 35}
